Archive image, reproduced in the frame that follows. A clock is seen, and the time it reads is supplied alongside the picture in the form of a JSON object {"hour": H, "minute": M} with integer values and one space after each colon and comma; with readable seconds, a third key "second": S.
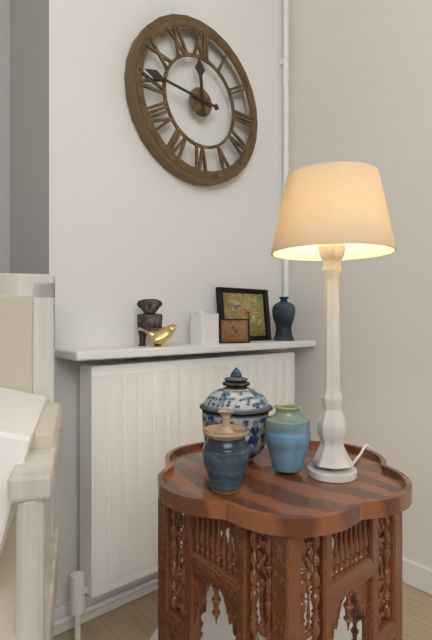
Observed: {"hour": 11, "minute": 46}
